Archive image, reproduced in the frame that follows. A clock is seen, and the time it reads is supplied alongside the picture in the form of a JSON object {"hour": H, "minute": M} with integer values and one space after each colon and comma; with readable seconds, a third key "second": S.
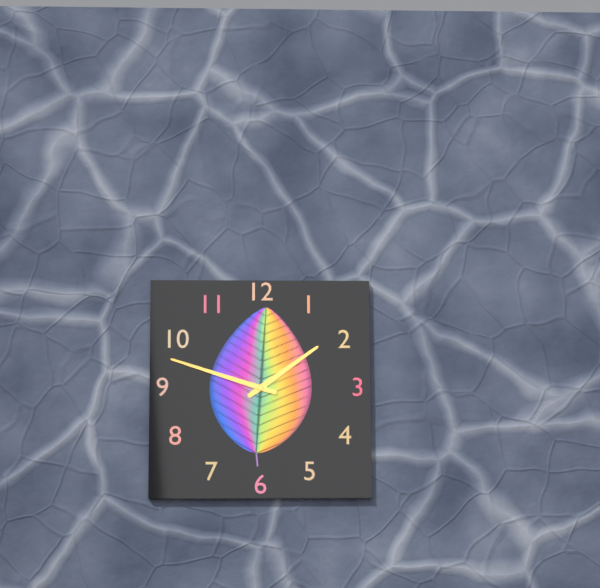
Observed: {"hour": 1, "minute": 48}
